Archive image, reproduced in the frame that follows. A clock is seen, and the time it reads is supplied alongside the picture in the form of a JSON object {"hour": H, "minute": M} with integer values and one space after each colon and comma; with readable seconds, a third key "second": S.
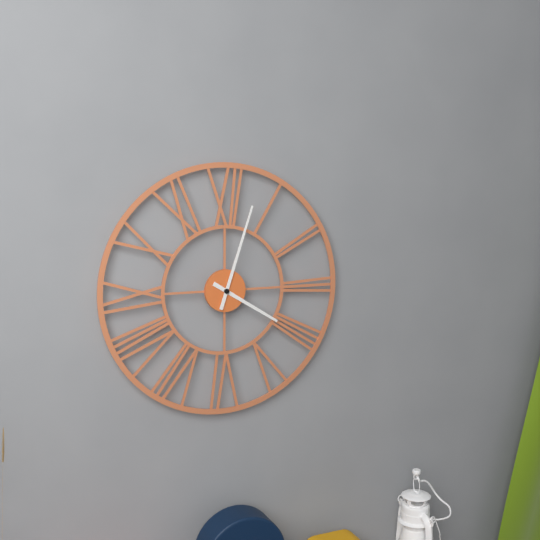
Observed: {"hour": 4, "minute": 3}
